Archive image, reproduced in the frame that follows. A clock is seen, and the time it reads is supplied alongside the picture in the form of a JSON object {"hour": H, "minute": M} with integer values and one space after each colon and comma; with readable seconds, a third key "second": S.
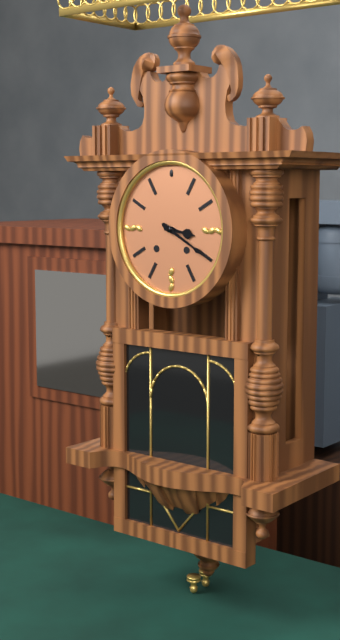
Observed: {"hour": 3, "minute": 20}
